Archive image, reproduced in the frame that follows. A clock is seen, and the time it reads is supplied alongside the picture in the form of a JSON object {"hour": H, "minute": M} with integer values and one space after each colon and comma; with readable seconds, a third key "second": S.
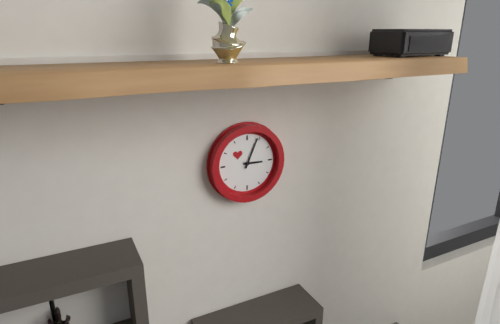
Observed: {"hour": 3, "minute": 4}
